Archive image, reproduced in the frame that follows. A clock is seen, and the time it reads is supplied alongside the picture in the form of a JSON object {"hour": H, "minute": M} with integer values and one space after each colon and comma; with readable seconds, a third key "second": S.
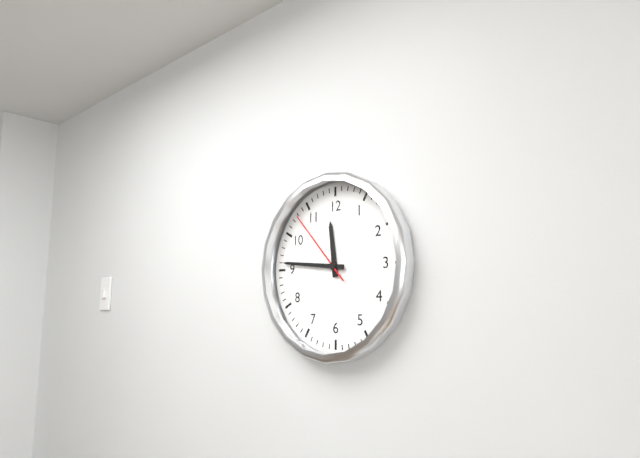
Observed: {"hour": 11, "minute": 46, "second": 53}
